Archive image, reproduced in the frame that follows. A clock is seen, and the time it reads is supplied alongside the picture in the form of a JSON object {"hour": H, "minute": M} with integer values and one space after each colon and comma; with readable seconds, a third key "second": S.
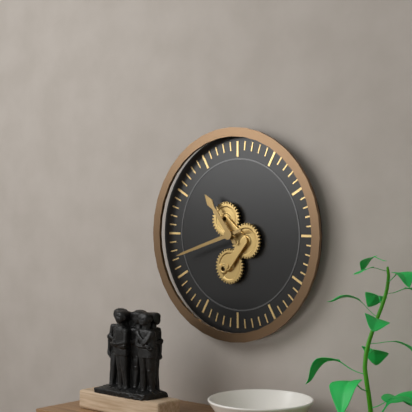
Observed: {"hour": 10, "minute": 42}
